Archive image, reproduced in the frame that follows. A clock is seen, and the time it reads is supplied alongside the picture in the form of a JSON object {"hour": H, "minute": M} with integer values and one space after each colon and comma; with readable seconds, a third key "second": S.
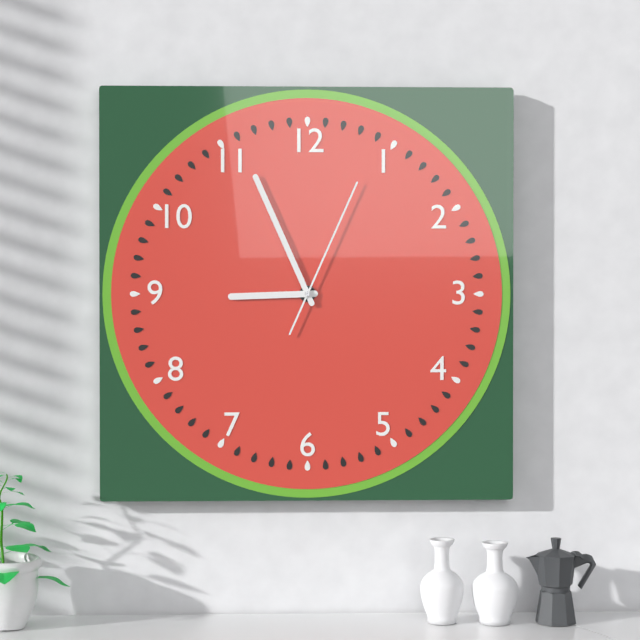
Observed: {"hour": 8, "minute": 56, "second": 4}
